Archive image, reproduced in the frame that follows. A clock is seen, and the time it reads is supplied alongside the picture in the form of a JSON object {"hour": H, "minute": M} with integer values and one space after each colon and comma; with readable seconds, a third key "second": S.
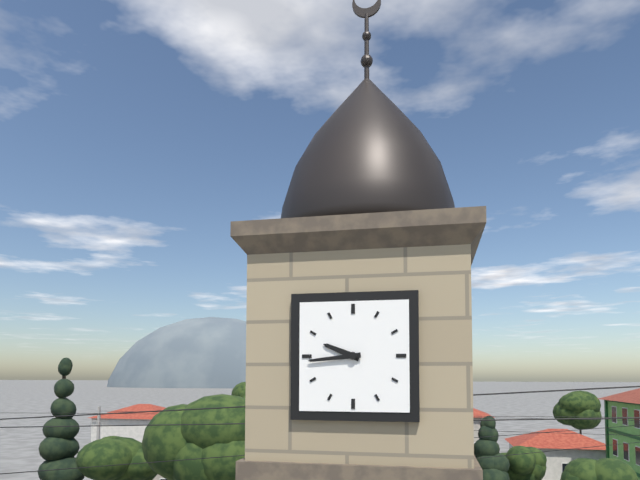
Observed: {"hour": 9, "minute": 44}
